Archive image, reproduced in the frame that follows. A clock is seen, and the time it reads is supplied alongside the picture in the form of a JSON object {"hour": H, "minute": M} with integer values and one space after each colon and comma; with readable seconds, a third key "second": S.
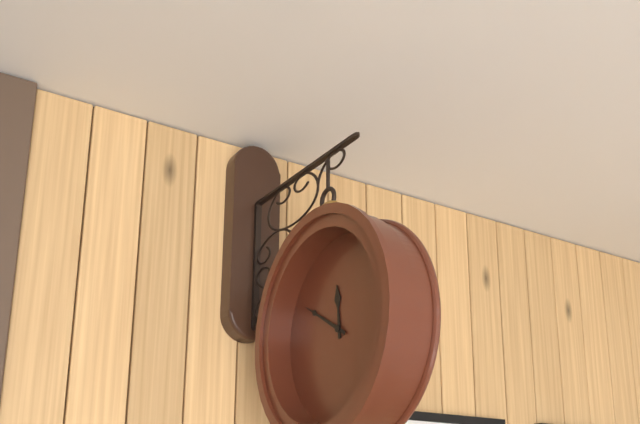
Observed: {"hour": 11, "minute": 50}
